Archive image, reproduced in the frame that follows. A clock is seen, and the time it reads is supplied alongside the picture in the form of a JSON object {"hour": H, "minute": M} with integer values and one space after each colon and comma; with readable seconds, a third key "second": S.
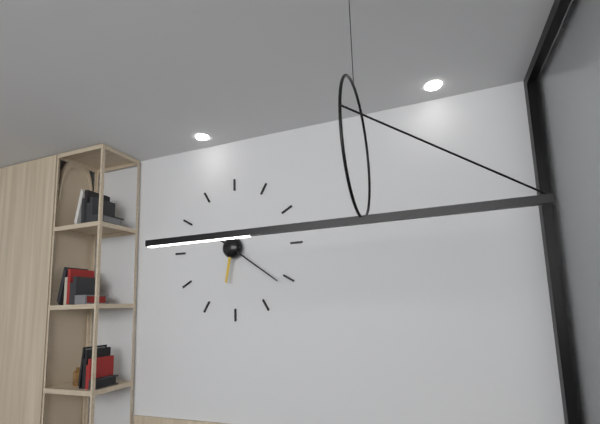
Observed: {"hour": 6, "minute": 21}
